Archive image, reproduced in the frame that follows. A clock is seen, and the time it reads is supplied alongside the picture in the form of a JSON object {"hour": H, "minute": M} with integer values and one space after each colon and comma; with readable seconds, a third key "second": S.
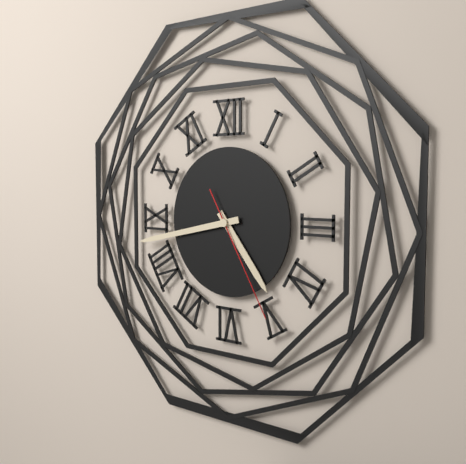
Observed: {"hour": 4, "minute": 43, "second": 25}
